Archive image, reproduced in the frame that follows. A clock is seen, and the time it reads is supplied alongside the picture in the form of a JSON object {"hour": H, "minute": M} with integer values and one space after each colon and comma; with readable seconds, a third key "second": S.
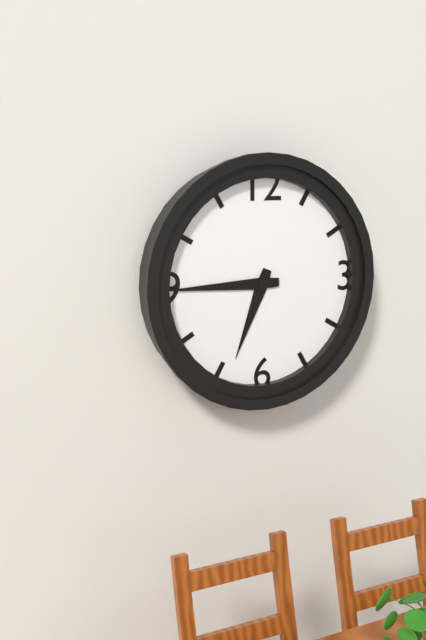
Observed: {"hour": 6, "minute": 45}
